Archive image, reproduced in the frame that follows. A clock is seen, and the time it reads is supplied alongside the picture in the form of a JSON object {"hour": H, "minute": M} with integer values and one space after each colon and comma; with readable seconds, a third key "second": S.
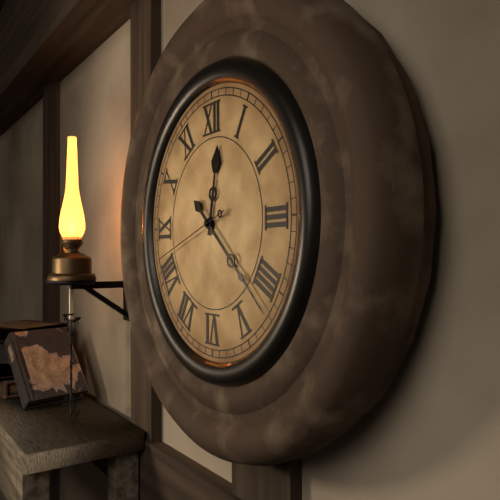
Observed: {"hour": 12, "minute": 22, "second": 42}
